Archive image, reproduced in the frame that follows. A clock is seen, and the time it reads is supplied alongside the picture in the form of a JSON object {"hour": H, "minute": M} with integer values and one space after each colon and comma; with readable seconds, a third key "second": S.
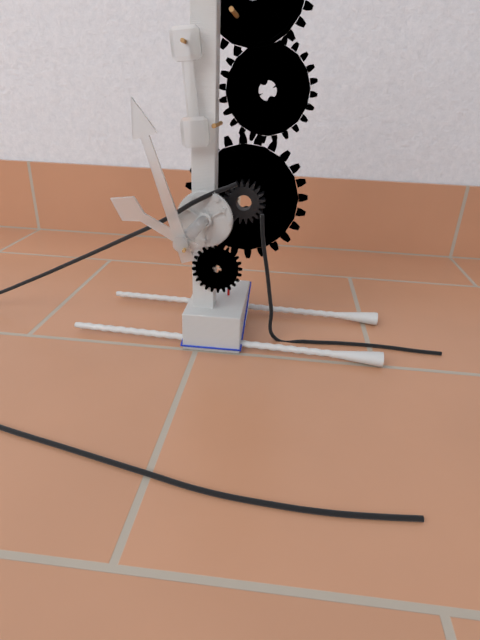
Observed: {"hour": 9, "minute": 57}
